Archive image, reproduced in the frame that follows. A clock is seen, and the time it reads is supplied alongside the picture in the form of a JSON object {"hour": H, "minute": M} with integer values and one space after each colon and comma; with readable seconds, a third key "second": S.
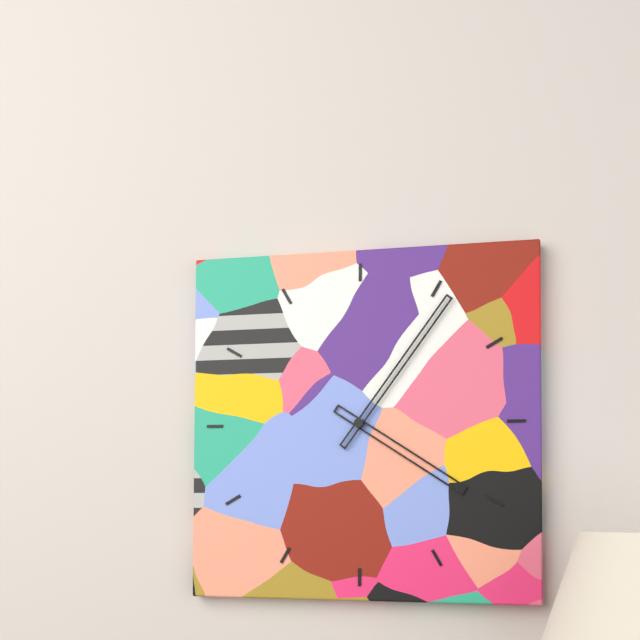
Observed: {"hour": 4, "minute": 6}
